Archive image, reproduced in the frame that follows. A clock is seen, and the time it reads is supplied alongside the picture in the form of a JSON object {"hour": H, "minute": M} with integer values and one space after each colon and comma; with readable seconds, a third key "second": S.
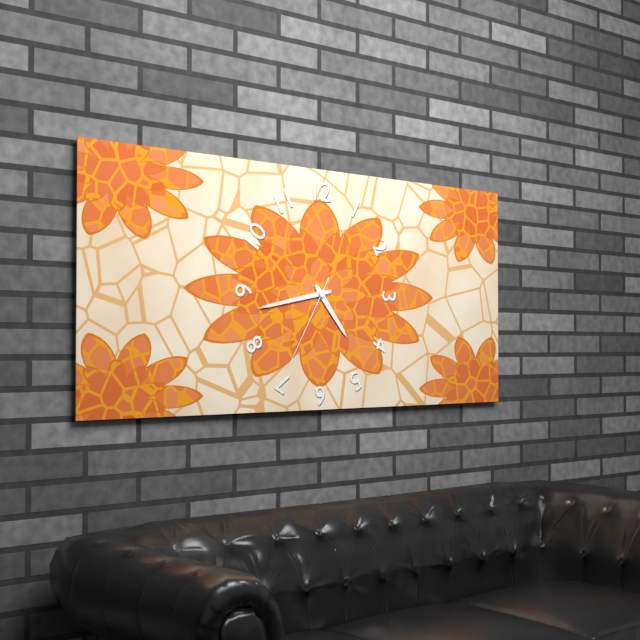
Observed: {"hour": 4, "minute": 43, "second": 35}
